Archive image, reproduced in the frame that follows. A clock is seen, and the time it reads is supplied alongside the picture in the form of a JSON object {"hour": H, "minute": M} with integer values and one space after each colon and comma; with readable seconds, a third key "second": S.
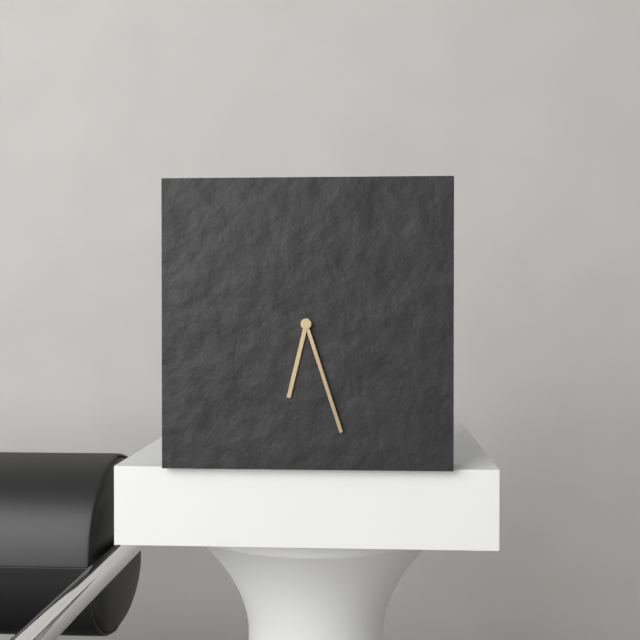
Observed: {"hour": 6, "minute": 27}
